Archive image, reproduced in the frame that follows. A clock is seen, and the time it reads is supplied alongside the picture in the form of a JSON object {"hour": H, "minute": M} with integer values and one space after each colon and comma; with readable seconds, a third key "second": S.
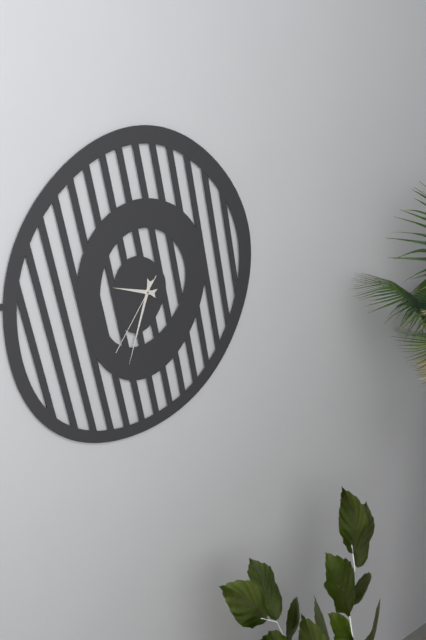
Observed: {"hour": 9, "minute": 33, "second": 36}
